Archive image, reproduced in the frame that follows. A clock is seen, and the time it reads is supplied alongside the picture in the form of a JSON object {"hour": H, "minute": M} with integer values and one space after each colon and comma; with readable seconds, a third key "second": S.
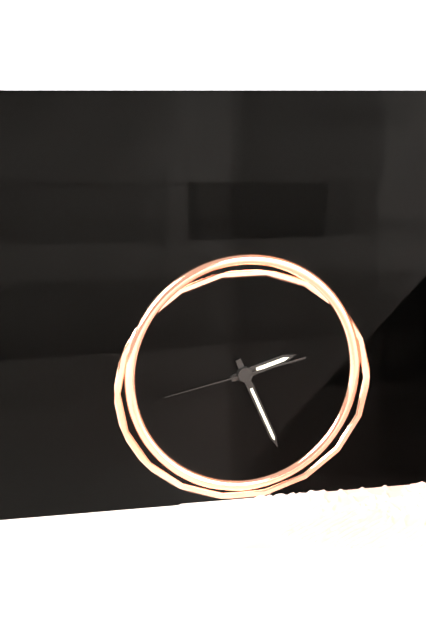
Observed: {"hour": 2, "minute": 26, "second": 43}
